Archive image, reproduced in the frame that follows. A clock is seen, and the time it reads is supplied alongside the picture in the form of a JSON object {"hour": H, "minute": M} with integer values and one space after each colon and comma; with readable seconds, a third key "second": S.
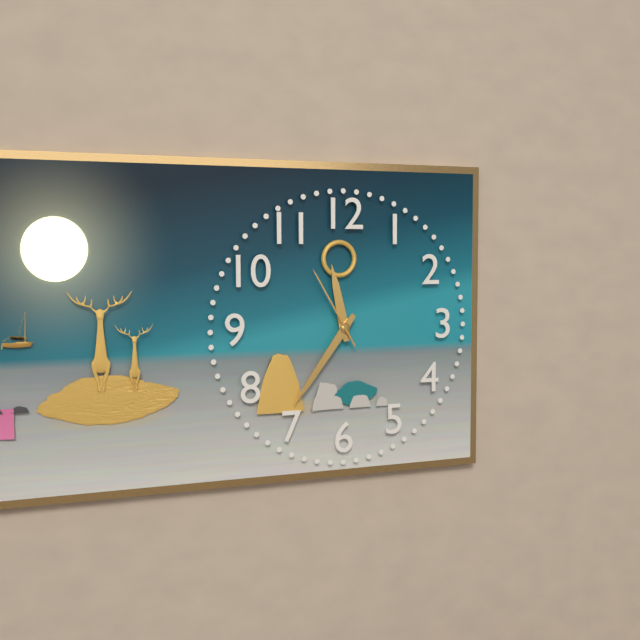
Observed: {"hour": 11, "minute": 36, "second": 55}
